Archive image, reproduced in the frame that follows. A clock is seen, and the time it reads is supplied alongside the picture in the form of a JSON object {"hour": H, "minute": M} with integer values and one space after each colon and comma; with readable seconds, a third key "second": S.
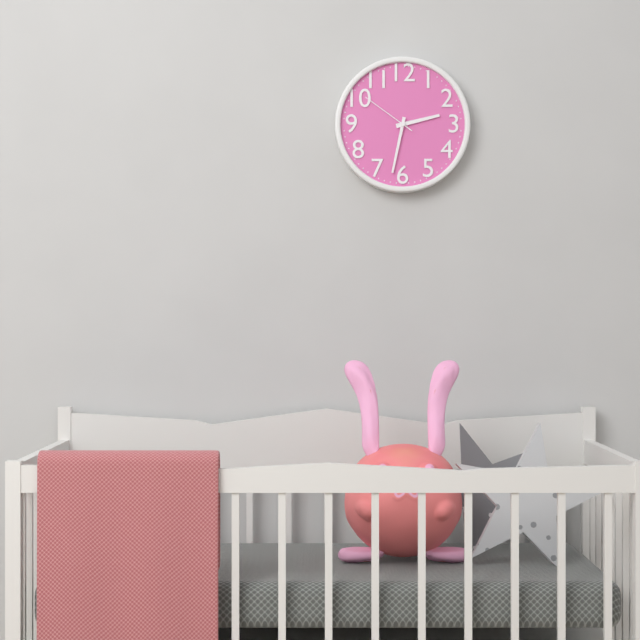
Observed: {"hour": 2, "minute": 32, "second": 51}
